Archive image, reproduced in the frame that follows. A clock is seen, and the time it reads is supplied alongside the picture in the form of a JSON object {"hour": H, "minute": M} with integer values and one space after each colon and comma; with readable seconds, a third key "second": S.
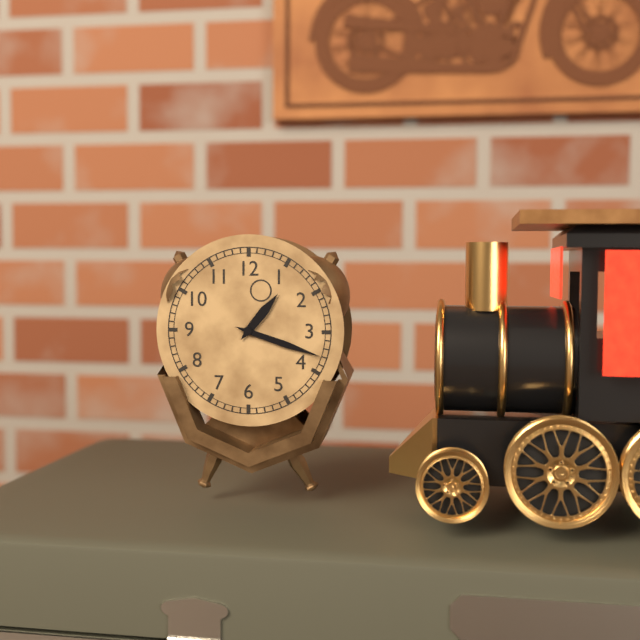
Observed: {"hour": 1, "minute": 18}
